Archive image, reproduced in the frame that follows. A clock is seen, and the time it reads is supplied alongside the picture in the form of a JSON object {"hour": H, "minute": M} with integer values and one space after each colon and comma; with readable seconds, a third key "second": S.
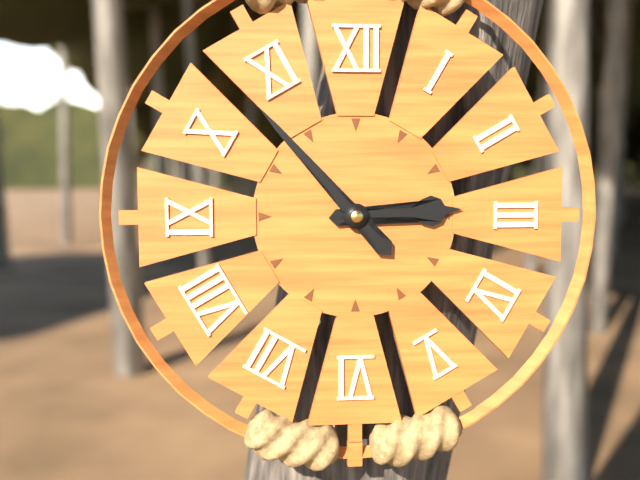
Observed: {"hour": 2, "minute": 53}
